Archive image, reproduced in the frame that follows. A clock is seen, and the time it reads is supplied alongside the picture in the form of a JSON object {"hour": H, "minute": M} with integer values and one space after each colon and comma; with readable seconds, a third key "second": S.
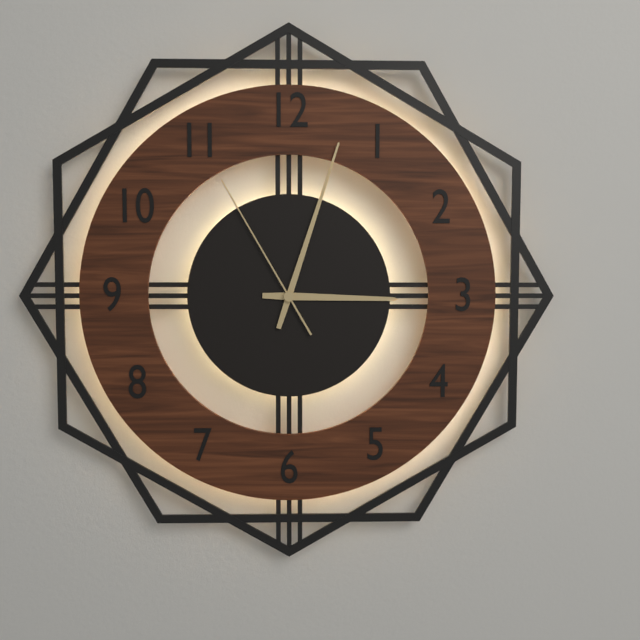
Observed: {"hour": 3, "minute": 3, "second": 55}
